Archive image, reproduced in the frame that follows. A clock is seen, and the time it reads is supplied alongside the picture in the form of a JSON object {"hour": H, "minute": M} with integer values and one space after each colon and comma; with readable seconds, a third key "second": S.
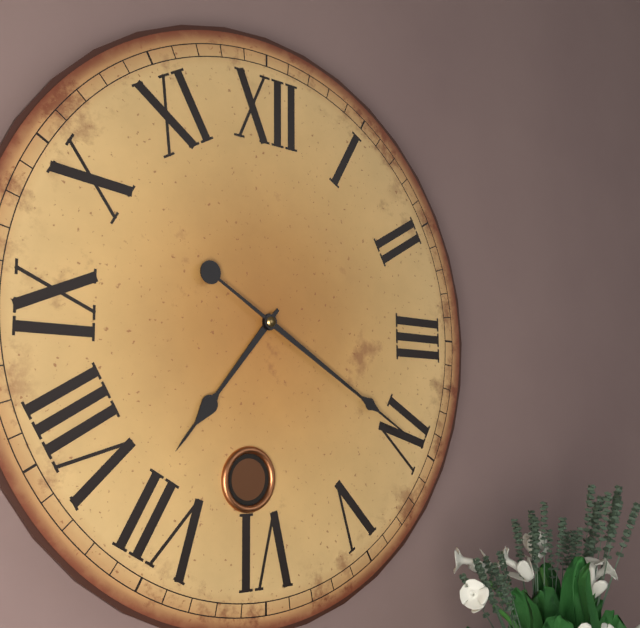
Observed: {"hour": 7, "minute": 20}
